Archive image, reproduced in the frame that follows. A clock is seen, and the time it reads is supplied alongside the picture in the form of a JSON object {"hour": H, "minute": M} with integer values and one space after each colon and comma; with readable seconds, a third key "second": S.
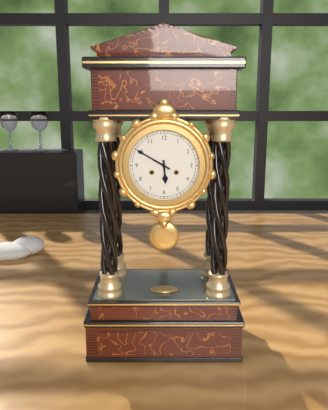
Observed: {"hour": 5, "minute": 50}
